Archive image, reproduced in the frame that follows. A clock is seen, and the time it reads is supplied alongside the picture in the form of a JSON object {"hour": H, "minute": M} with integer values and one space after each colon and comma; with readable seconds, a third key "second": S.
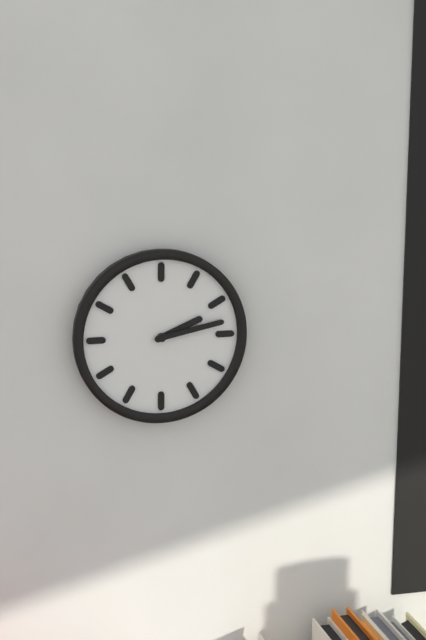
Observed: {"hour": 2, "minute": 13}
